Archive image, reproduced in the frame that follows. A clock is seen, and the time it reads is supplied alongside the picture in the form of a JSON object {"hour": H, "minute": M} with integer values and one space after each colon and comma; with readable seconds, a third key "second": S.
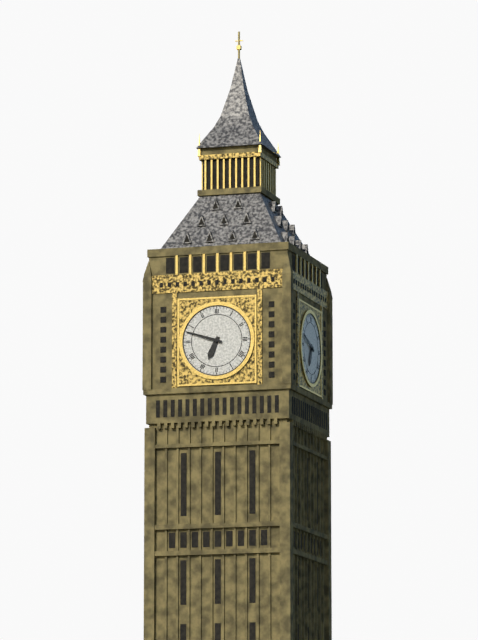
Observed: {"hour": 6, "minute": 48}
